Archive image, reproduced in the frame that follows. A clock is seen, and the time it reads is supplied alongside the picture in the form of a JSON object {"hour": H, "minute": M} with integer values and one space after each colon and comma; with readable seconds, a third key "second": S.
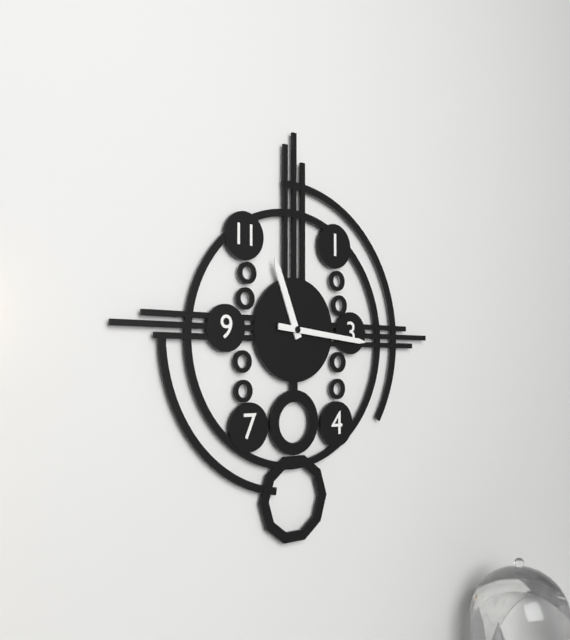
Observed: {"hour": 11, "minute": 16}
